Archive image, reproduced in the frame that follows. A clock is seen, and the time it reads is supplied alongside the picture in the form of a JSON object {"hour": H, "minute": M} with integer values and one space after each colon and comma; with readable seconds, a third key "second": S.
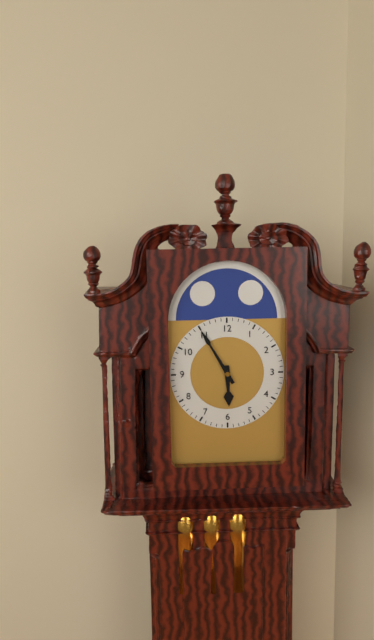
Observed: {"hour": 5, "minute": 55}
